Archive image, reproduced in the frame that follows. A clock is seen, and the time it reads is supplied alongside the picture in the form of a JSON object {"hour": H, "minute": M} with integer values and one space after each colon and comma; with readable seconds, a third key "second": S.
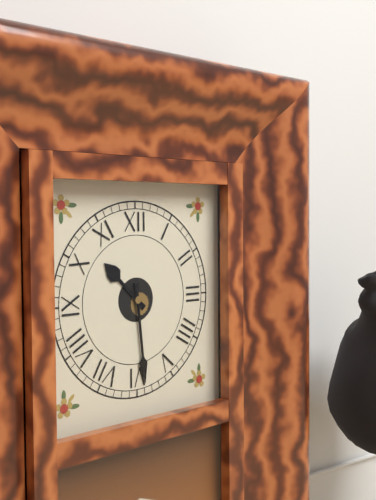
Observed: {"hour": 10, "minute": 29}
